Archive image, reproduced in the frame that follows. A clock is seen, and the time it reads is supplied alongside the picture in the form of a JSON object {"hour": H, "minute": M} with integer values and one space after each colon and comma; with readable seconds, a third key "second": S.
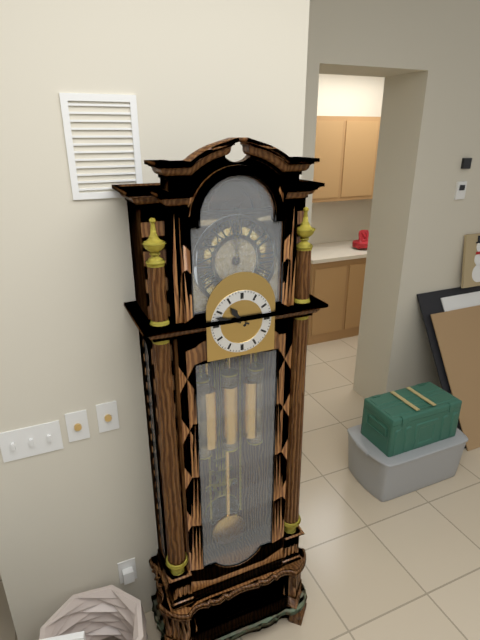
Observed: {"hour": 10, "minute": 48}
